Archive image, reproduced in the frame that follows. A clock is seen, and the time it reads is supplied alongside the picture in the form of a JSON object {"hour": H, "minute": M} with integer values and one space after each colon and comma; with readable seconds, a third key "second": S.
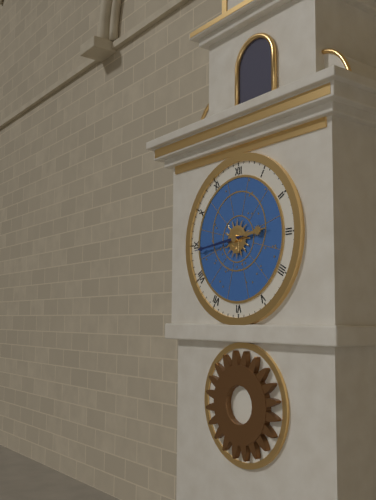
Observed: {"hour": 2, "minute": 44}
